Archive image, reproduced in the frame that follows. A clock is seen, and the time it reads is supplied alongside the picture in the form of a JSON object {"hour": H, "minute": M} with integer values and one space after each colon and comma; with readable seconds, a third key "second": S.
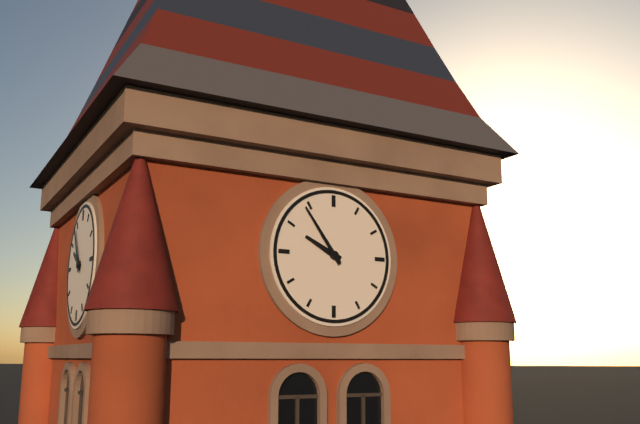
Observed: {"hour": 9, "minute": 54}
